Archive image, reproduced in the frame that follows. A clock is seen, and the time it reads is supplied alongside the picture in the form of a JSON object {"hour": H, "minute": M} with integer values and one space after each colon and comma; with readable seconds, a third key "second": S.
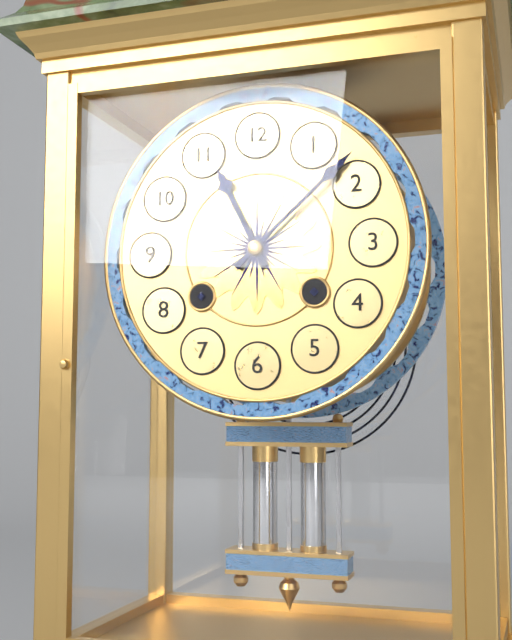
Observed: {"hour": 11, "minute": 8}
